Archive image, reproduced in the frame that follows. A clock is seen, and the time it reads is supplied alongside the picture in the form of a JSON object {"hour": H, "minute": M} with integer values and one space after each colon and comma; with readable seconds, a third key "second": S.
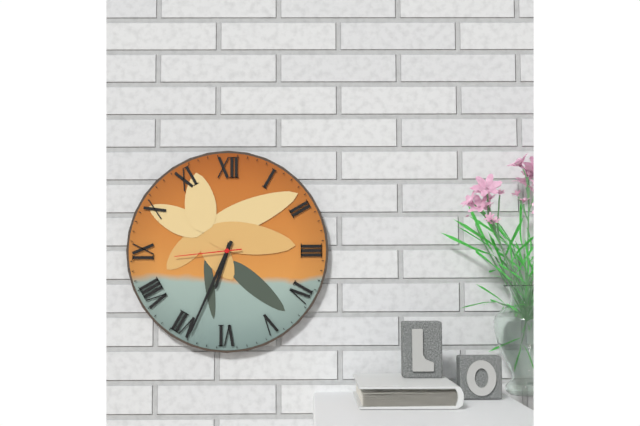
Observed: {"hour": 6, "minute": 34, "second": 44}
